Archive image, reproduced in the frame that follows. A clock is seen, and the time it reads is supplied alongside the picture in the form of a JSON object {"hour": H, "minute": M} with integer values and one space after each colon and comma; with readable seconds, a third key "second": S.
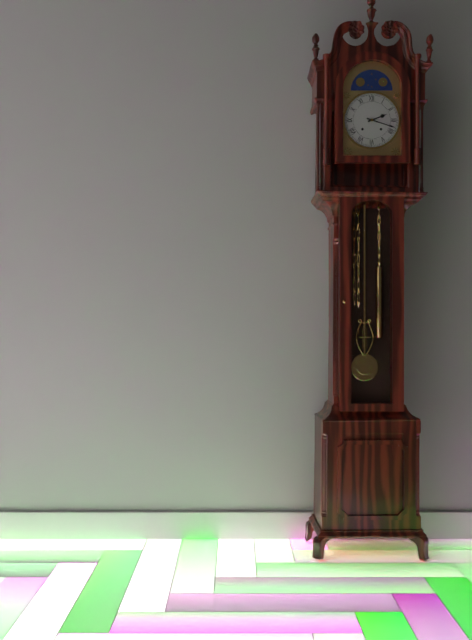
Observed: {"hour": 2, "minute": 18}
